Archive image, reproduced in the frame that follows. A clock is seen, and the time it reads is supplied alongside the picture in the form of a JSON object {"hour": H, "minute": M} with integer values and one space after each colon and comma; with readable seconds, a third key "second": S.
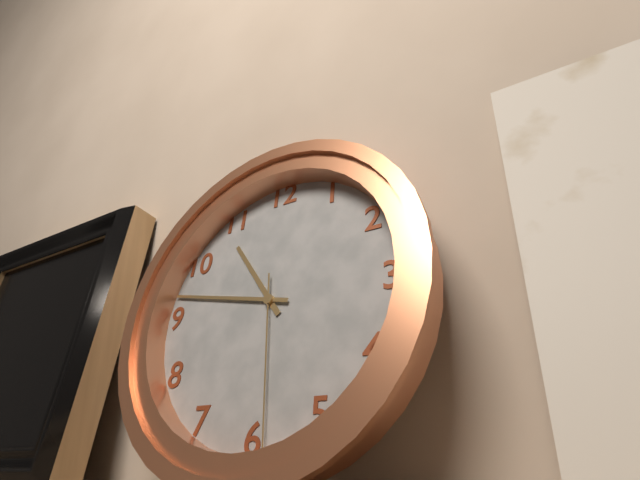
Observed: {"hour": 10, "minute": 47, "second": 29}
